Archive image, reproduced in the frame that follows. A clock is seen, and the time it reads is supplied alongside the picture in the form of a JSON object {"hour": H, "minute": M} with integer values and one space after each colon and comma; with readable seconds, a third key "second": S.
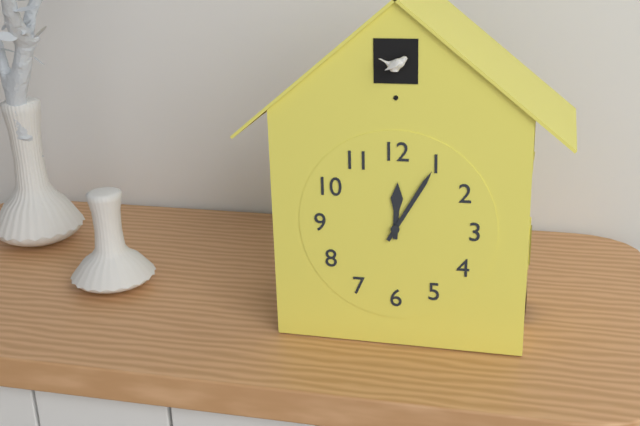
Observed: {"hour": 12, "minute": 5}
